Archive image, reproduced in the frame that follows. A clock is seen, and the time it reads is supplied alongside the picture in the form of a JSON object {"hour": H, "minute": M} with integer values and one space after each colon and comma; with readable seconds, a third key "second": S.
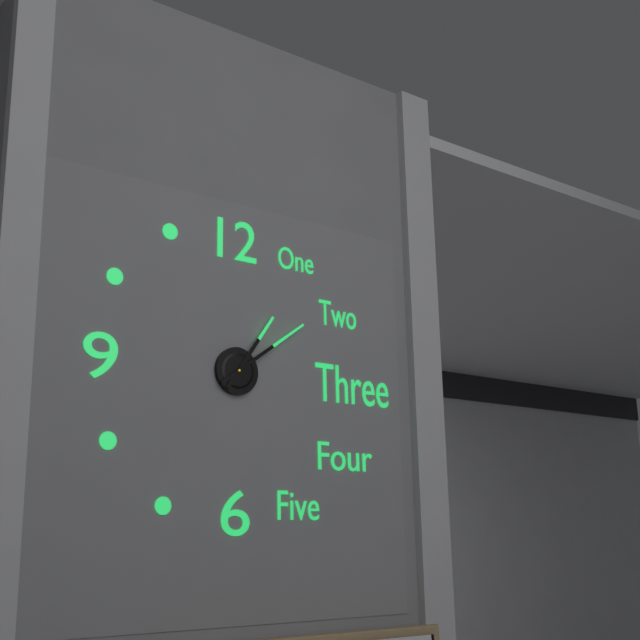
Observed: {"hour": 1, "minute": 9}
